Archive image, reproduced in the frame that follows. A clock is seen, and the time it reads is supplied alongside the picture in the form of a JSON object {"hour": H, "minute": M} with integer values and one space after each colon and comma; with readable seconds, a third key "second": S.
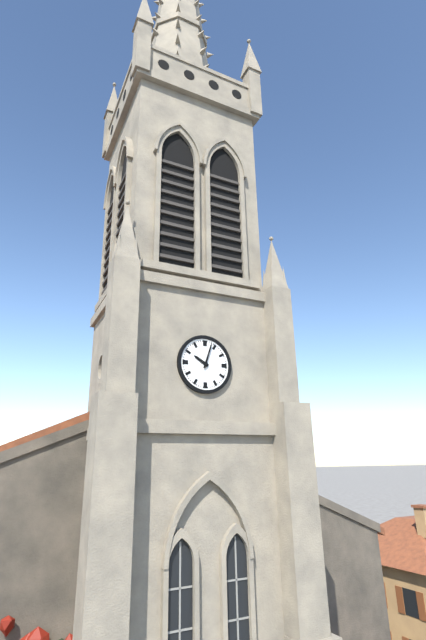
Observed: {"hour": 10, "minute": 3}
